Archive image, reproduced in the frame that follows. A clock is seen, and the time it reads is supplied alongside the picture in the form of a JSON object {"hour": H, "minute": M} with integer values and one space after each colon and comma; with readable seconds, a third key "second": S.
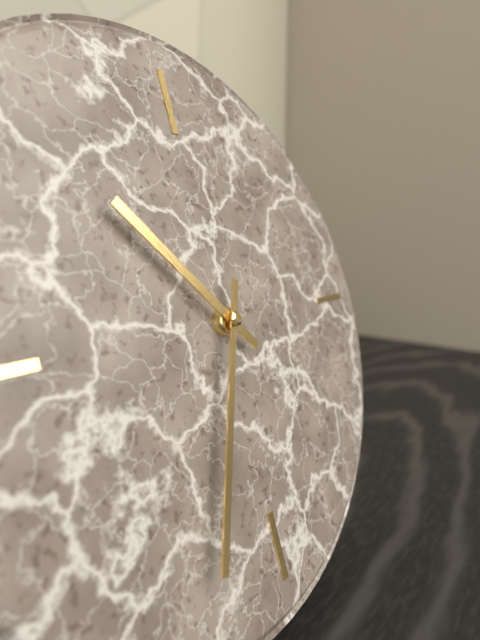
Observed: {"hour": 10, "minute": 34}
